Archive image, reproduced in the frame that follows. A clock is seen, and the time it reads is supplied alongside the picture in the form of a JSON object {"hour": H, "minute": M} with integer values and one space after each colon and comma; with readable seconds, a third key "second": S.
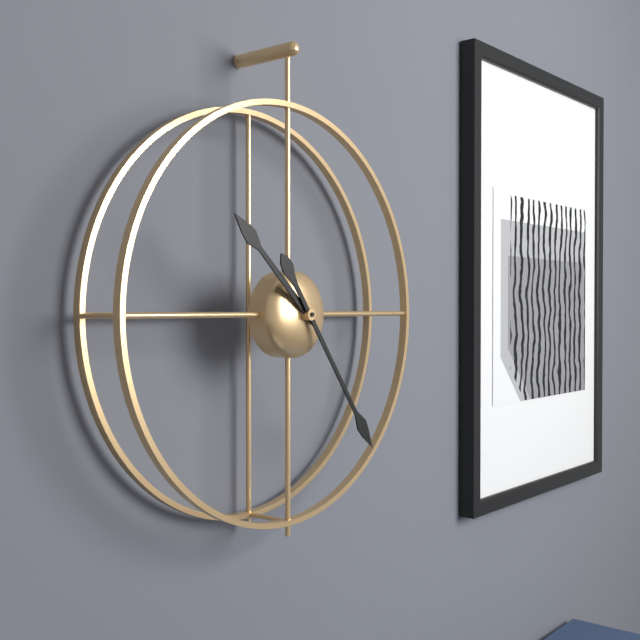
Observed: {"hour": 10, "minute": 24}
